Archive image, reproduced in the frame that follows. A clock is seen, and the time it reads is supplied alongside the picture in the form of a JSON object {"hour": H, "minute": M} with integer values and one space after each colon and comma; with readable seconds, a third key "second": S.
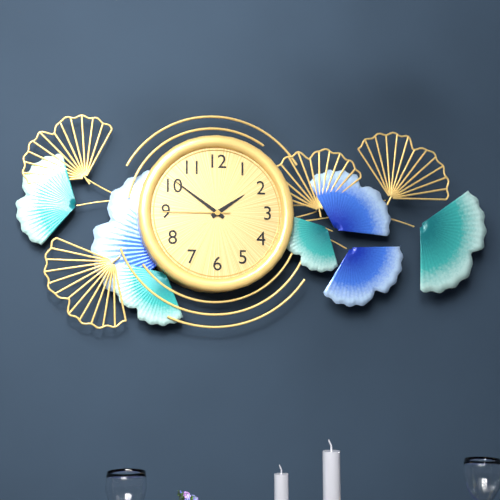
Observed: {"hour": 1, "minute": 51, "second": 45}
